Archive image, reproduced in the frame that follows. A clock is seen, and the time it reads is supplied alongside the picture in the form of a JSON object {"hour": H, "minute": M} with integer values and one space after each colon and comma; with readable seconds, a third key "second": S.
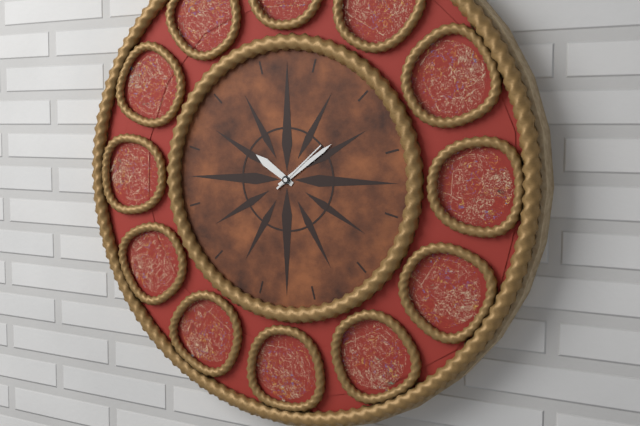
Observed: {"hour": 10, "minute": 9, "second": 8}
